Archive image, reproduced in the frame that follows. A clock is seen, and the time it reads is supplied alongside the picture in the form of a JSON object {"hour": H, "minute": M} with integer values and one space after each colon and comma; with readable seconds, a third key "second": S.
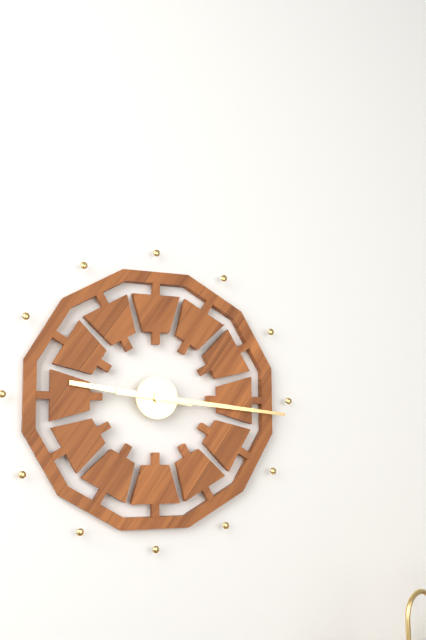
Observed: {"hour": 9, "minute": 16}
